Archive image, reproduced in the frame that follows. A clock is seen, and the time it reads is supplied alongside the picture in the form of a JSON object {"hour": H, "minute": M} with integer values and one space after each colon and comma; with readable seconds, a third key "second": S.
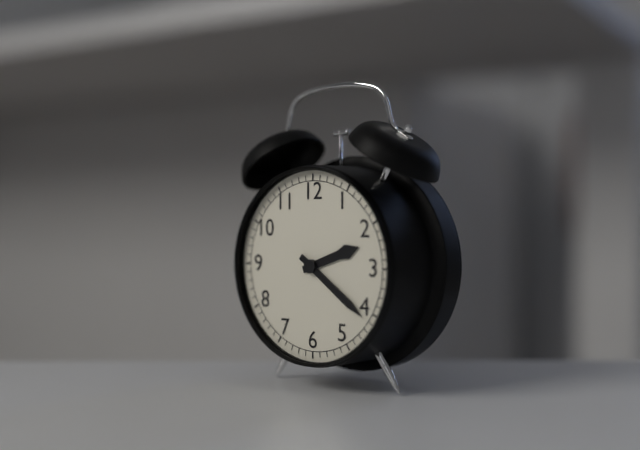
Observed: {"hour": 2, "minute": 21}
